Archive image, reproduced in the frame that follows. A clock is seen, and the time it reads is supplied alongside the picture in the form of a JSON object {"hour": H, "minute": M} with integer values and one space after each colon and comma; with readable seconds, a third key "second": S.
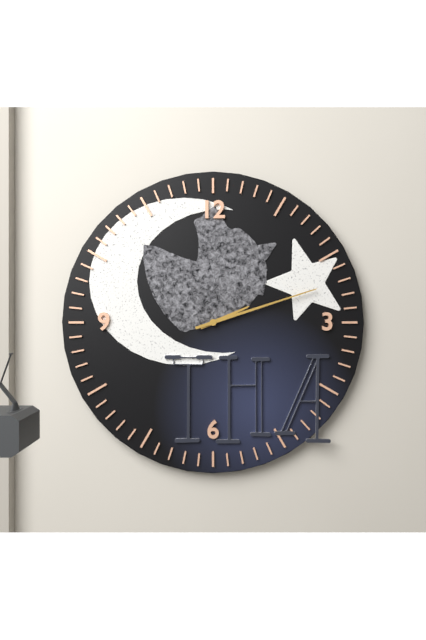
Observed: {"hour": 2, "minute": 12}
